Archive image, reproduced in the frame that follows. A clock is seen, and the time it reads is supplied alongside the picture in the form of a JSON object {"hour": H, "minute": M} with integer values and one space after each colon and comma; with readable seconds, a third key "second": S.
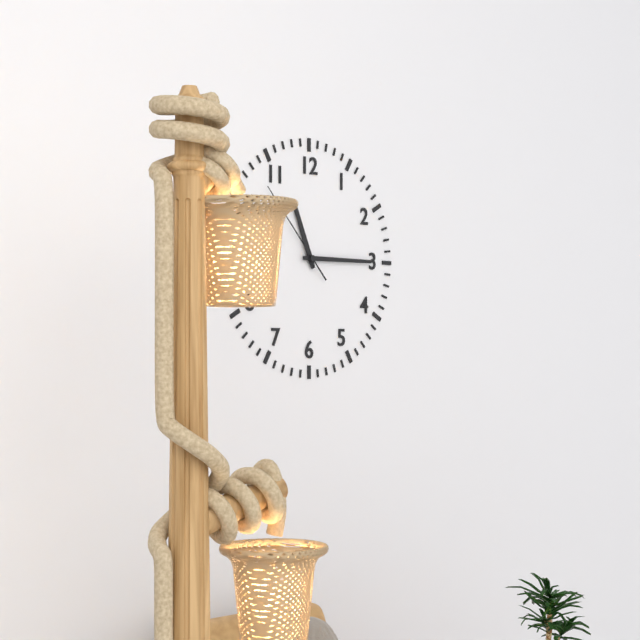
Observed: {"hour": 11, "minute": 15, "second": 53}
